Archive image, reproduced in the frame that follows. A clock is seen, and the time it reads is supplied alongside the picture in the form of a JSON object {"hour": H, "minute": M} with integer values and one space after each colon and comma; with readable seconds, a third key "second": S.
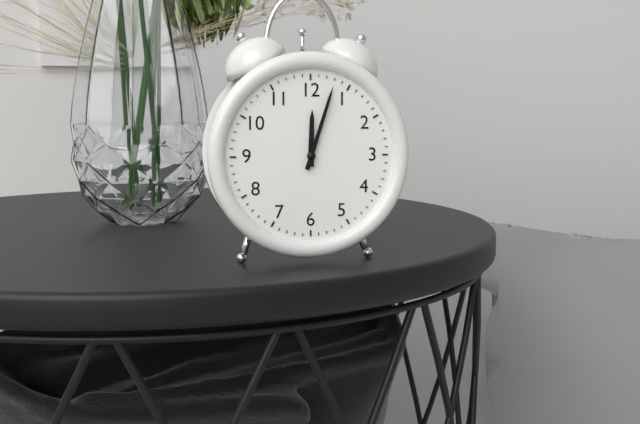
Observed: {"hour": 12, "minute": 3}
